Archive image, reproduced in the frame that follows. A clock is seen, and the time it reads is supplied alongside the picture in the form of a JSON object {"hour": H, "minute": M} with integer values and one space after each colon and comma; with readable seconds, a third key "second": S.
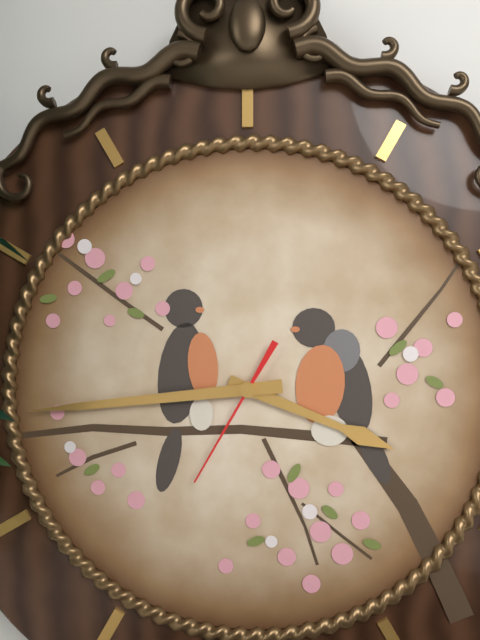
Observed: {"hour": 3, "minute": 44, "second": 35}
